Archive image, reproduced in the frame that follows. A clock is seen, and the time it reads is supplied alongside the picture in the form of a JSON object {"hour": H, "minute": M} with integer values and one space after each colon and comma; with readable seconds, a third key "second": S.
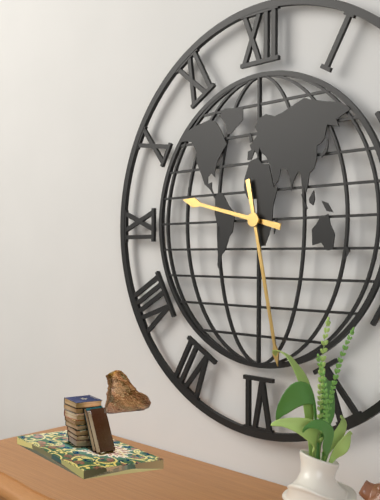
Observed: {"hour": 9, "minute": 28}
